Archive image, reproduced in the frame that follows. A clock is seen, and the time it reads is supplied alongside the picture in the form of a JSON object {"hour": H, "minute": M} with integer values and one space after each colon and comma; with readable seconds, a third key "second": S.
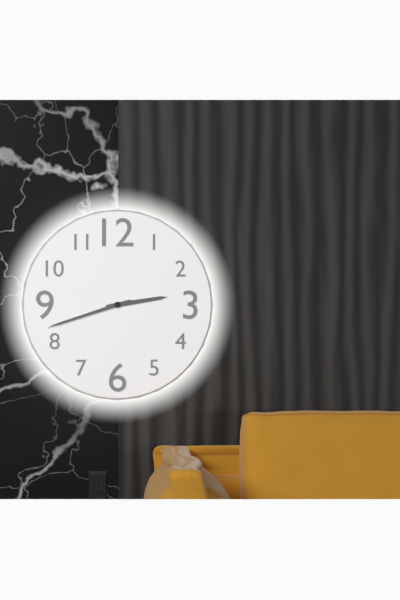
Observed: {"hour": 2, "minute": 42}
